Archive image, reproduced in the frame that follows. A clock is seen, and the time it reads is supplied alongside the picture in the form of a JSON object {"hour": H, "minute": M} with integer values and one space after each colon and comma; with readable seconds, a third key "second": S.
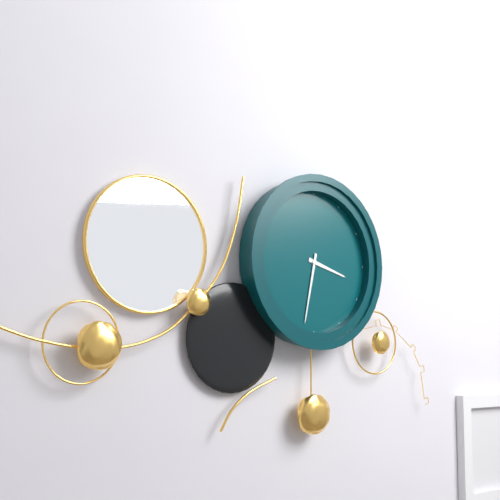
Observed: {"hour": 3, "minute": 32}
